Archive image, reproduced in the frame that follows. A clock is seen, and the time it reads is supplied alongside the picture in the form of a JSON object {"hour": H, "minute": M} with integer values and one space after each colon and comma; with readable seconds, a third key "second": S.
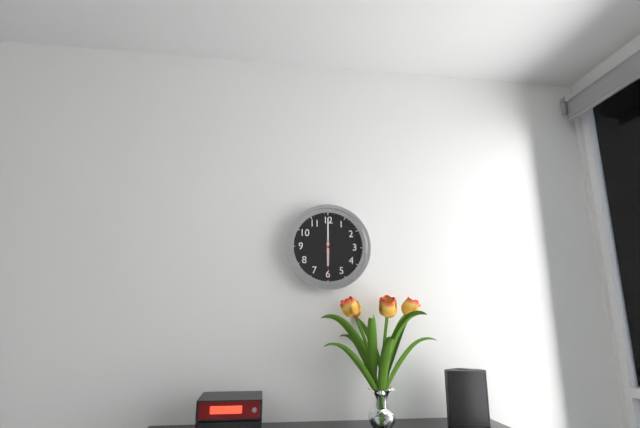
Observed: {"hour": 6, "minute": 0}
